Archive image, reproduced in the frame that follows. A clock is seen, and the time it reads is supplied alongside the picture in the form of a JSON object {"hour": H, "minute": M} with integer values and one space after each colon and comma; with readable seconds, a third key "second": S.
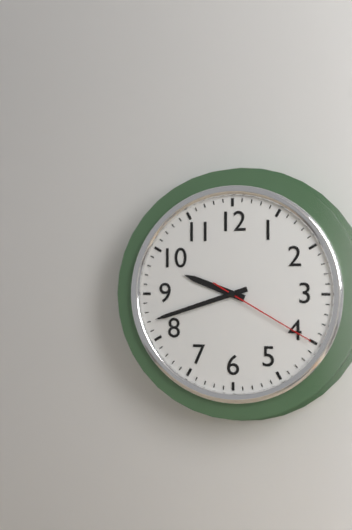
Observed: {"hour": 9, "minute": 42, "second": 20}
